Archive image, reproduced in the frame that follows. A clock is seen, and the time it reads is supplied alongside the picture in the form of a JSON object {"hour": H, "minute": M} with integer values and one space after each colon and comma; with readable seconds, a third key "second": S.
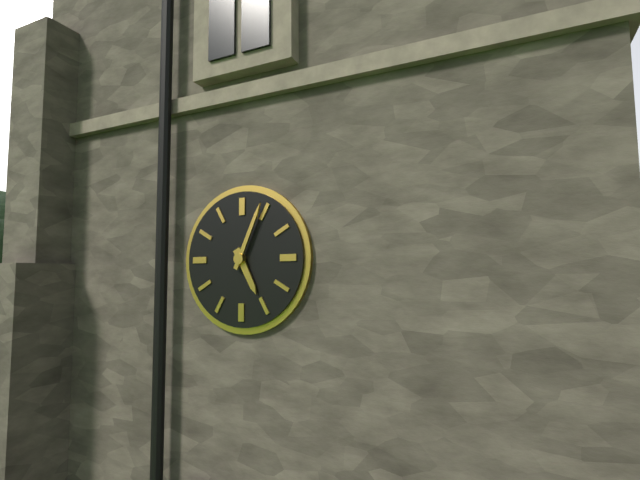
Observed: {"hour": 5, "minute": 4}
